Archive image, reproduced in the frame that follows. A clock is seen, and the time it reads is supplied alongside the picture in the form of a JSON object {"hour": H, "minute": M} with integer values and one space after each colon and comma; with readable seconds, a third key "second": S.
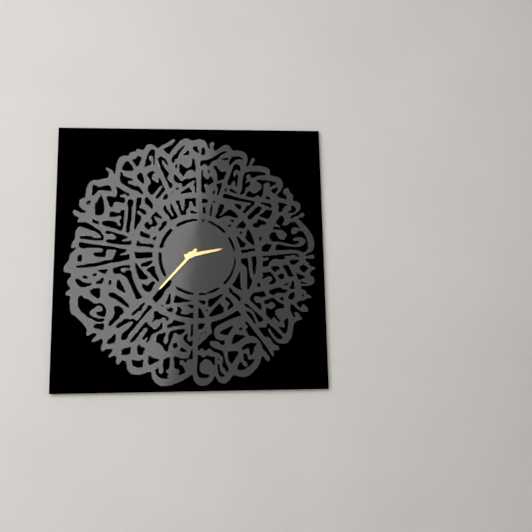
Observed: {"hour": 2, "minute": 37}
